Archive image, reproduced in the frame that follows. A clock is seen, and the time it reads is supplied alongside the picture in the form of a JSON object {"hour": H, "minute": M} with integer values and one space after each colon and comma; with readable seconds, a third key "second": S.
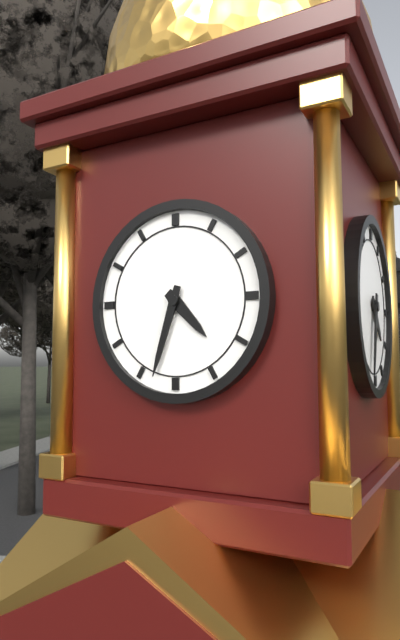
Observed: {"hour": 4, "minute": 33}
